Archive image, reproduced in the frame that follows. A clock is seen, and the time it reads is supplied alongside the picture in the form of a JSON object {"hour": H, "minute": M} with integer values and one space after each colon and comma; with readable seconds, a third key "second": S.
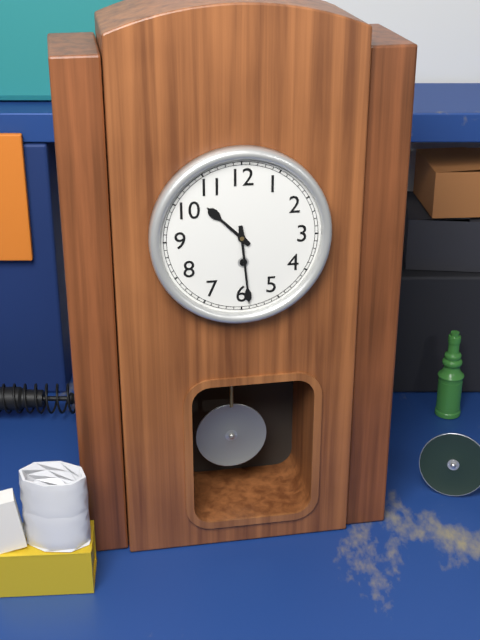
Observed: {"hour": 10, "minute": 29}
